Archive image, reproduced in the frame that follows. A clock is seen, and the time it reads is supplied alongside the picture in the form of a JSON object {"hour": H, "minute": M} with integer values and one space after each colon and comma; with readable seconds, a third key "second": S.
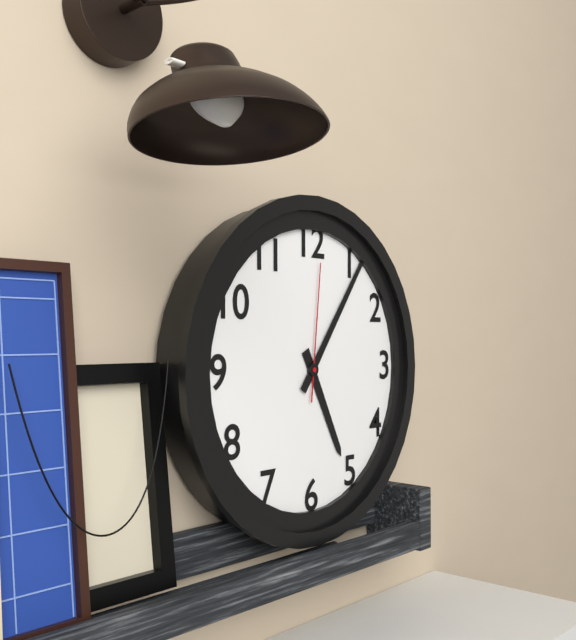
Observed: {"hour": 5, "minute": 6, "second": 1}
